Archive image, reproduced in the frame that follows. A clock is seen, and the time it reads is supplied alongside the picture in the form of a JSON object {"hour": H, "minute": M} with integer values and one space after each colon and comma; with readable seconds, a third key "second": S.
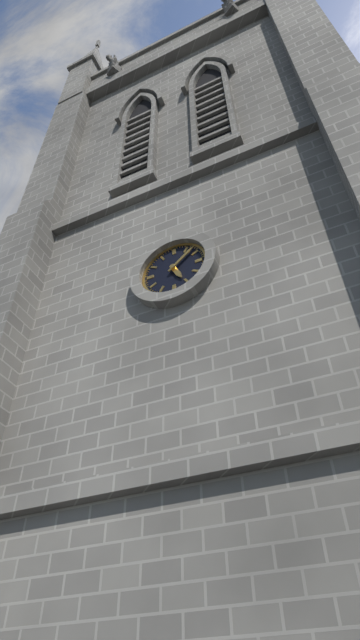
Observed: {"hour": 5, "minute": 8}
